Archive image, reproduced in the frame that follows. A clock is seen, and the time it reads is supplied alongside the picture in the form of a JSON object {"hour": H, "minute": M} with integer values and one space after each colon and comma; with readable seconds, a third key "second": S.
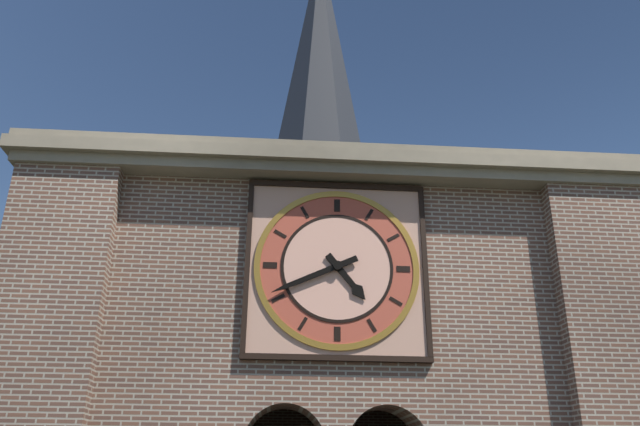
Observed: {"hour": 4, "minute": 41}
